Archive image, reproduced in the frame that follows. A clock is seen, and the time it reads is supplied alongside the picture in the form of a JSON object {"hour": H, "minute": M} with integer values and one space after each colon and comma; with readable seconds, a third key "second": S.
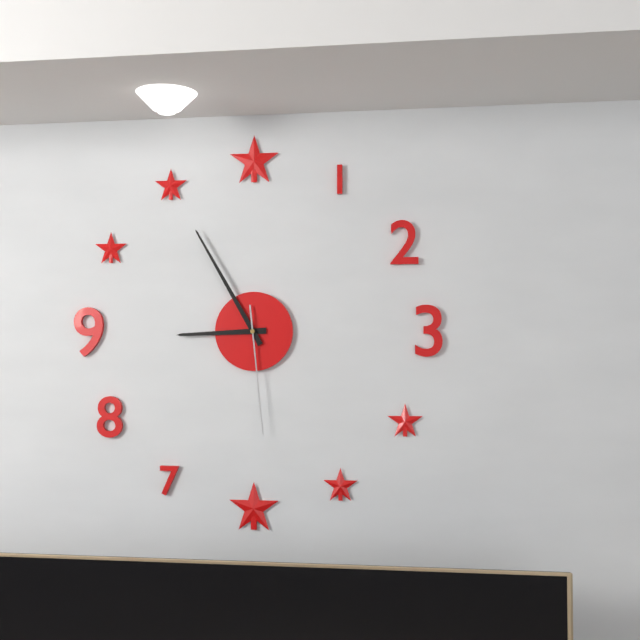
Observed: {"hour": 8, "minute": 55, "second": 29}
